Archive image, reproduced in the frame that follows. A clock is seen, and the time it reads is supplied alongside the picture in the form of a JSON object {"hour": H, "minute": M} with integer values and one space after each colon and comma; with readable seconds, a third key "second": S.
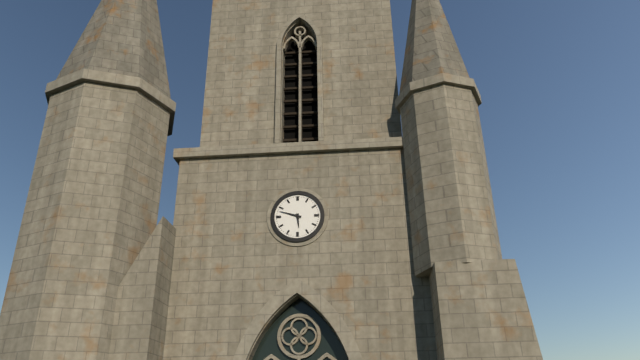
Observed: {"hour": 5, "minute": 48}
